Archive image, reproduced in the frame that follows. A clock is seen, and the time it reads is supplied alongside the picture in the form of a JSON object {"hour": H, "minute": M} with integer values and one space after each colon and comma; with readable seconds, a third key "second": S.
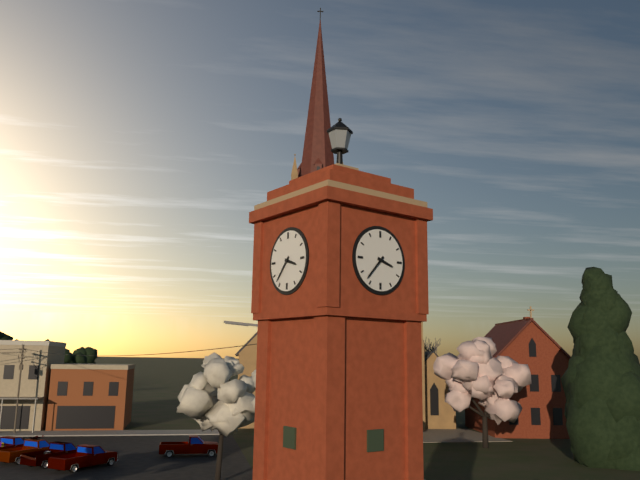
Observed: {"hour": 3, "minute": 37}
